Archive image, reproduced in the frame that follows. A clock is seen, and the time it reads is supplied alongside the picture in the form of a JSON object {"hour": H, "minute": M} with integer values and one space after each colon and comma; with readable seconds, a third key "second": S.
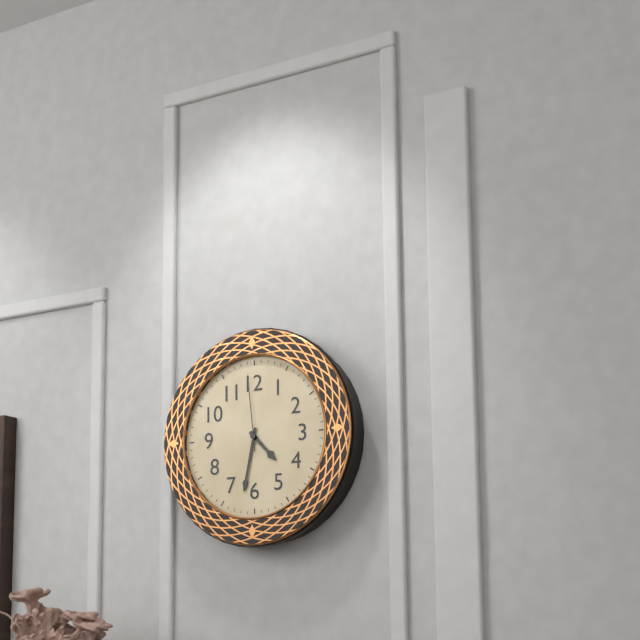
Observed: {"hour": 4, "minute": 32, "second": 59}
